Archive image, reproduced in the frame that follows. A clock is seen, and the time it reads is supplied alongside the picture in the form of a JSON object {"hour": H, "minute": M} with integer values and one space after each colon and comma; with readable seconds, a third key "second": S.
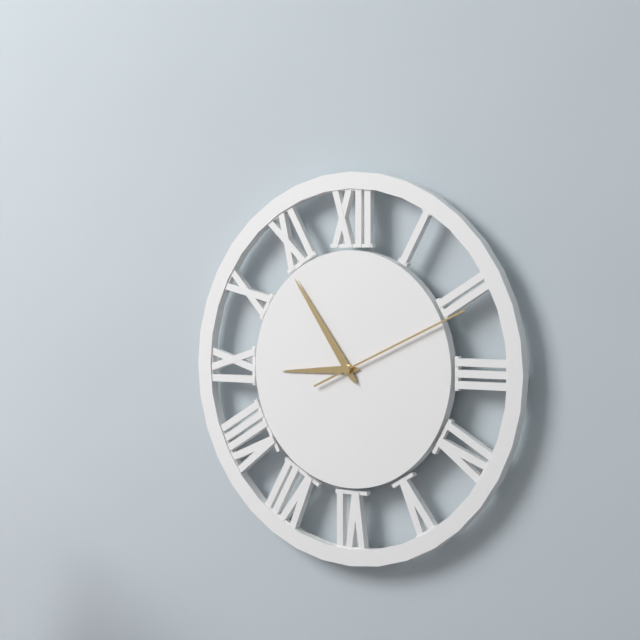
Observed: {"hour": 8, "minute": 54, "second": 11}
